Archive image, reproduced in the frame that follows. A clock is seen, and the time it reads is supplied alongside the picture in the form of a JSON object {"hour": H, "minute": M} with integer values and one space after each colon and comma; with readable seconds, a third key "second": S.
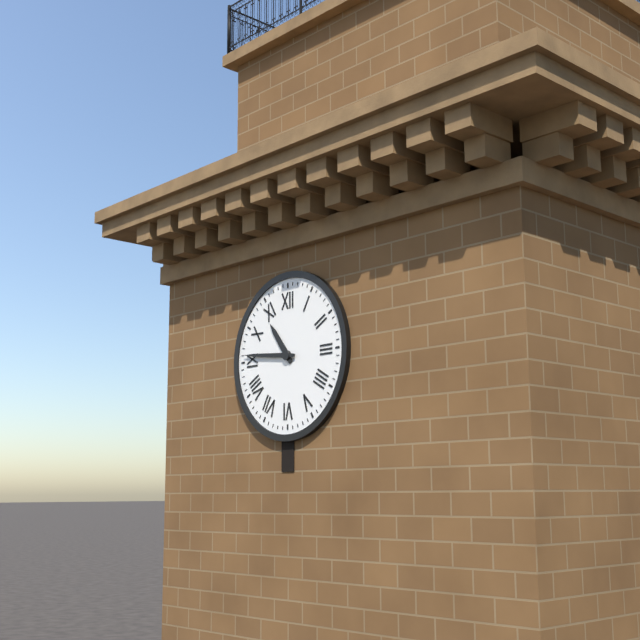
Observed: {"hour": 10, "minute": 46}
